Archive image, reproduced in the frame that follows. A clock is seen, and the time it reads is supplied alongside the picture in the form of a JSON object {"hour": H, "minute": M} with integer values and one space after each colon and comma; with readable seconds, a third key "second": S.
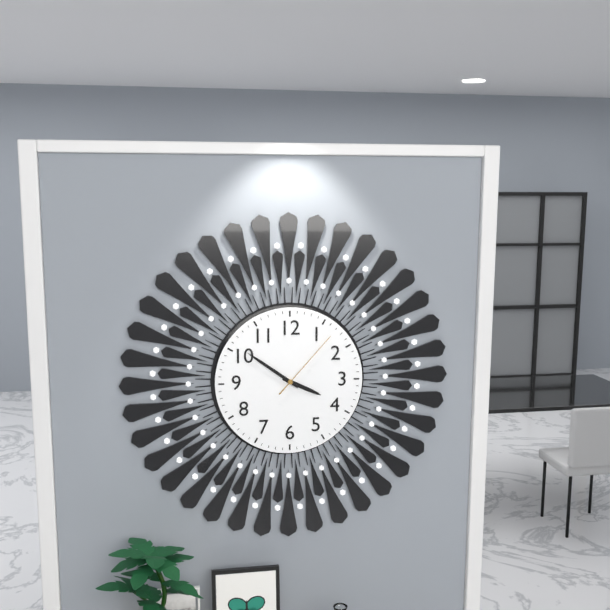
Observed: {"hour": 3, "minute": 51, "second": 7}
